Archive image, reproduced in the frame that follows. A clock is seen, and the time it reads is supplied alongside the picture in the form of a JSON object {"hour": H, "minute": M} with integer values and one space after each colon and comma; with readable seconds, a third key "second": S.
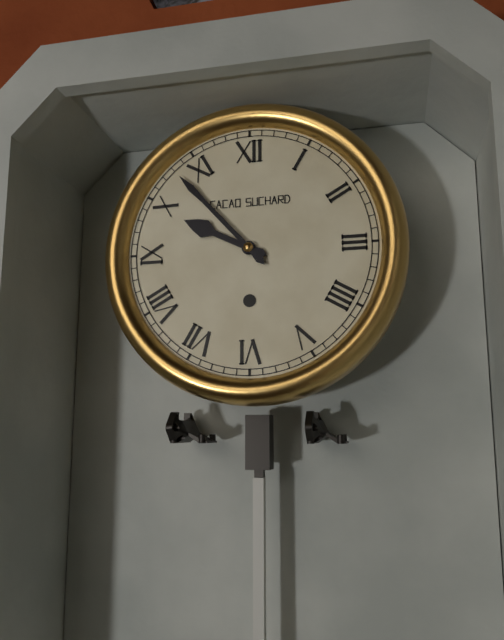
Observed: {"hour": 9, "minute": 53}
